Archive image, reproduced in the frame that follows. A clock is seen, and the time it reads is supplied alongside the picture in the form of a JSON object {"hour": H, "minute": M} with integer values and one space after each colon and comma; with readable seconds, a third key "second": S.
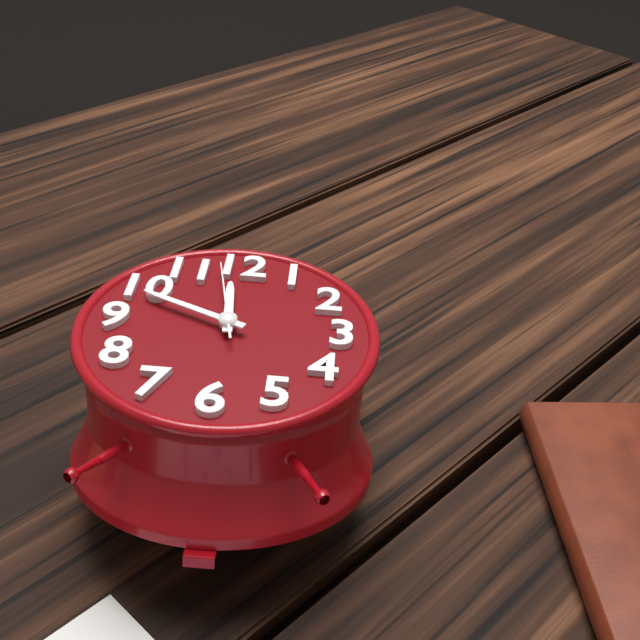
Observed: {"hour": 11, "minute": 49, "second": 58}
